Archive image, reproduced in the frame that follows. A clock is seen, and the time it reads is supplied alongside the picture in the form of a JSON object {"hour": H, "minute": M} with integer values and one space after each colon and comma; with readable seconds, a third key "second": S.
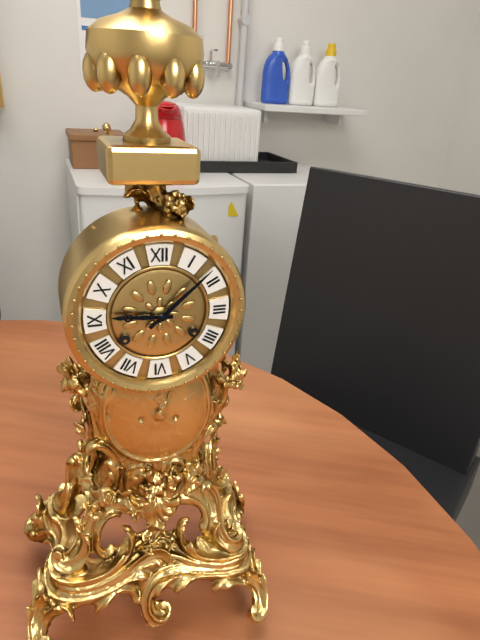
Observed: {"hour": 9, "minute": 8}
